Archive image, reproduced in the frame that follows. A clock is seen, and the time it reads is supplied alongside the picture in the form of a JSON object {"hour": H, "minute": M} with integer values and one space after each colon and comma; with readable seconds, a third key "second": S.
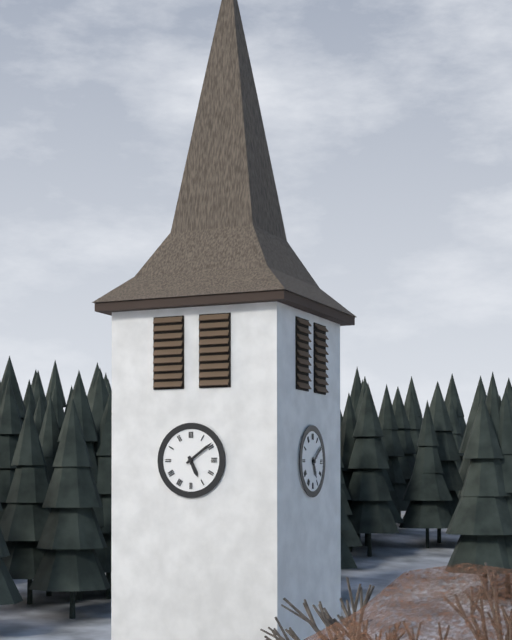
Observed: {"hour": 5, "minute": 9}
